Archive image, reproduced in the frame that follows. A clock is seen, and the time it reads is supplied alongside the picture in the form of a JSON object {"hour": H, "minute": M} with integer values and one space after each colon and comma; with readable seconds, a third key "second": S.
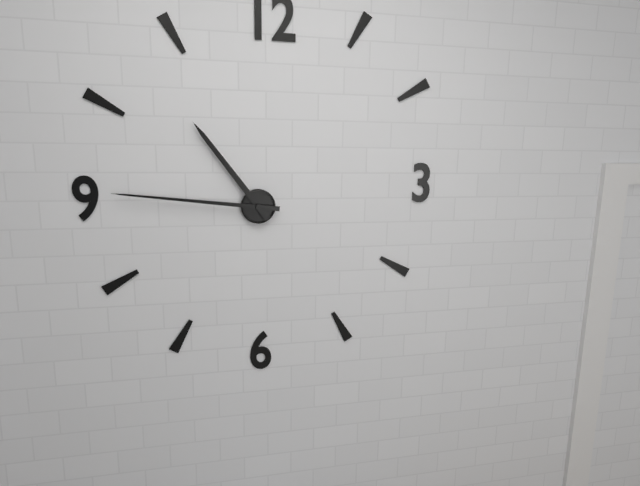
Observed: {"hour": 10, "minute": 46}
